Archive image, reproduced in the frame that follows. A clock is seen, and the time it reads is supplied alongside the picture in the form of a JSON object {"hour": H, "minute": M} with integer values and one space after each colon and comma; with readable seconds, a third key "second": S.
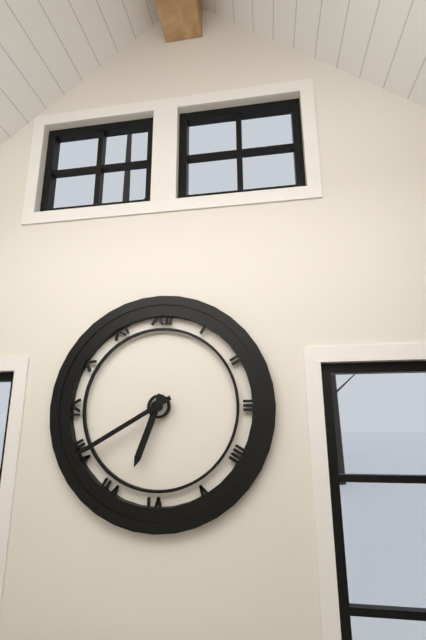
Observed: {"hour": 6, "minute": 40}
